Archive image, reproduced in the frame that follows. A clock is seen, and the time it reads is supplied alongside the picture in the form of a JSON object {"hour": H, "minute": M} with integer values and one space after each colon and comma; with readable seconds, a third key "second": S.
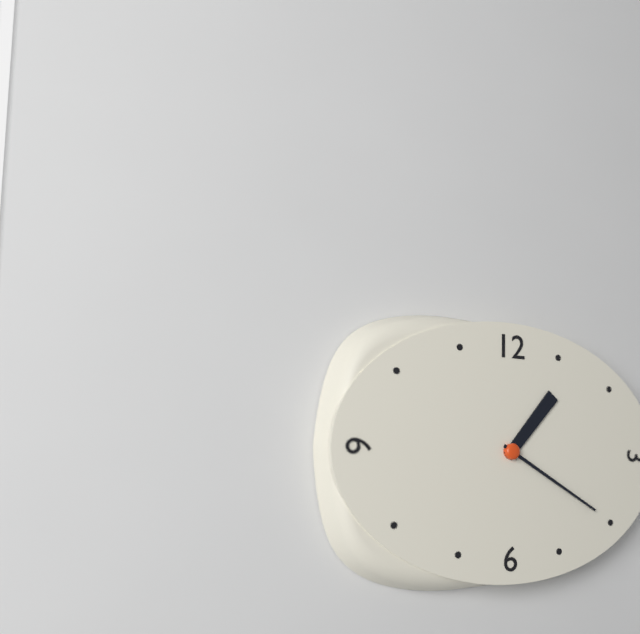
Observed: {"hour": 1, "minute": 20}
